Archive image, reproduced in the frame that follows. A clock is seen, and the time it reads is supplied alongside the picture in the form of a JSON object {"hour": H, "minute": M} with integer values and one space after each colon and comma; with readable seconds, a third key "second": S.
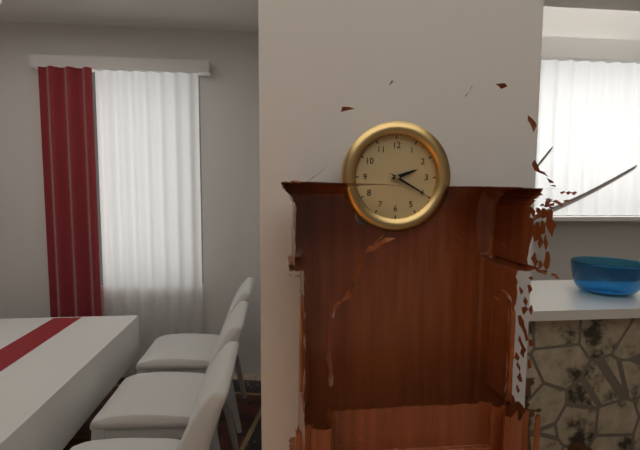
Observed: {"hour": 2, "minute": 20}
